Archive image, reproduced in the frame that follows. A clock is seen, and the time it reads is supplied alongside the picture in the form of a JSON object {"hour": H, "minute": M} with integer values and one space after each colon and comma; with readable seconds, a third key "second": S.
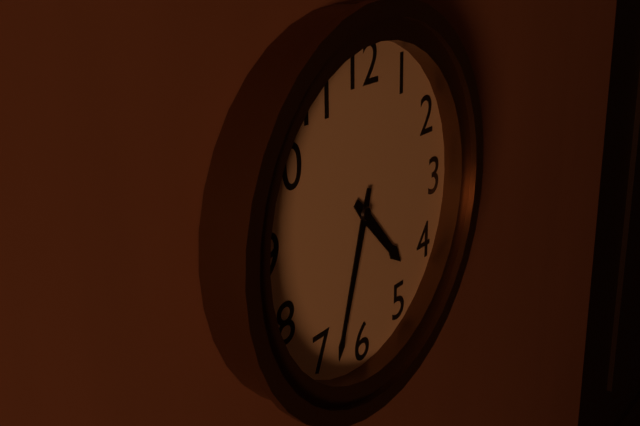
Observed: {"hour": 4, "minute": 33}
